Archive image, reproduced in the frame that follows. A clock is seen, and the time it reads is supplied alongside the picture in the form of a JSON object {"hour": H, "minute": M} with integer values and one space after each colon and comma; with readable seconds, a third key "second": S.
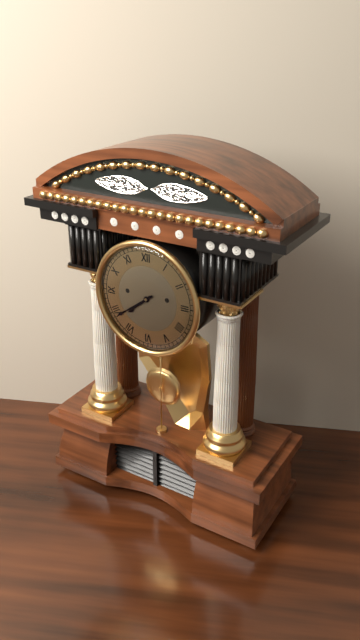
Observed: {"hour": 7, "minute": 39}
